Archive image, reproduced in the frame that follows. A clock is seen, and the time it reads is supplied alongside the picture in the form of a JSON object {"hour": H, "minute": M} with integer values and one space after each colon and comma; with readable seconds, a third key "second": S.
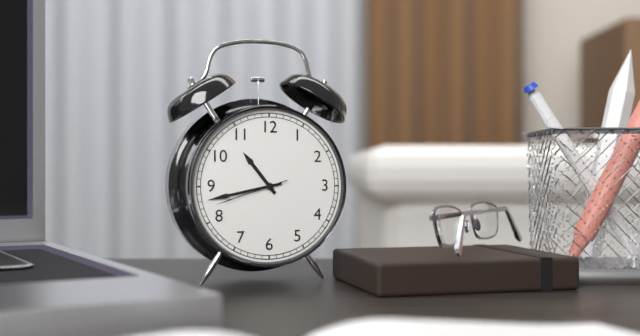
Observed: {"hour": 10, "minute": 43, "second": 42}
